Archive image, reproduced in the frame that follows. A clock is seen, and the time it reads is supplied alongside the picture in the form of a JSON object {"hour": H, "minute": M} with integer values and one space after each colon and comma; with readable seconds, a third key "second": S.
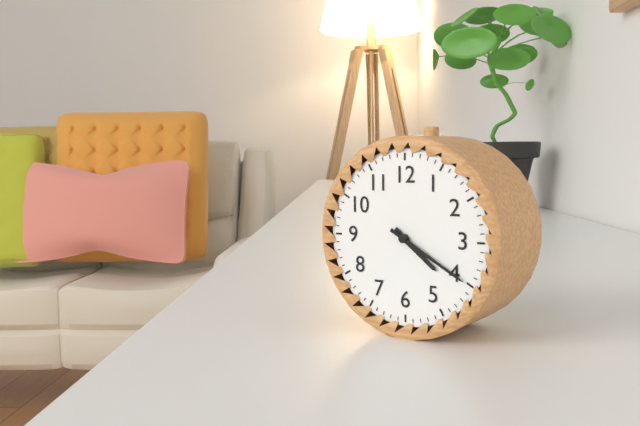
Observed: {"hour": 4, "minute": 20}
